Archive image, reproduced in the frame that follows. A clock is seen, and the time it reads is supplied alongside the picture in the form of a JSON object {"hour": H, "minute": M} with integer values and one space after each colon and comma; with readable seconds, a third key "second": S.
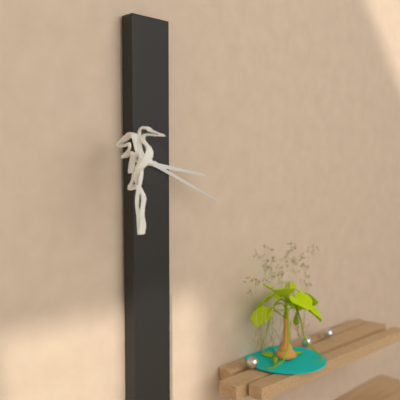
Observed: {"hour": 3, "minute": 19}
